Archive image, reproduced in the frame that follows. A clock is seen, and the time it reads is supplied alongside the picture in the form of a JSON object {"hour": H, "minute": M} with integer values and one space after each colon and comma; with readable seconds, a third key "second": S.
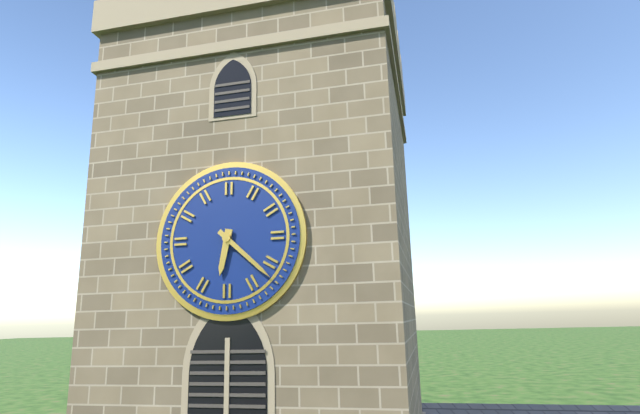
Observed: {"hour": 6, "minute": 22}
